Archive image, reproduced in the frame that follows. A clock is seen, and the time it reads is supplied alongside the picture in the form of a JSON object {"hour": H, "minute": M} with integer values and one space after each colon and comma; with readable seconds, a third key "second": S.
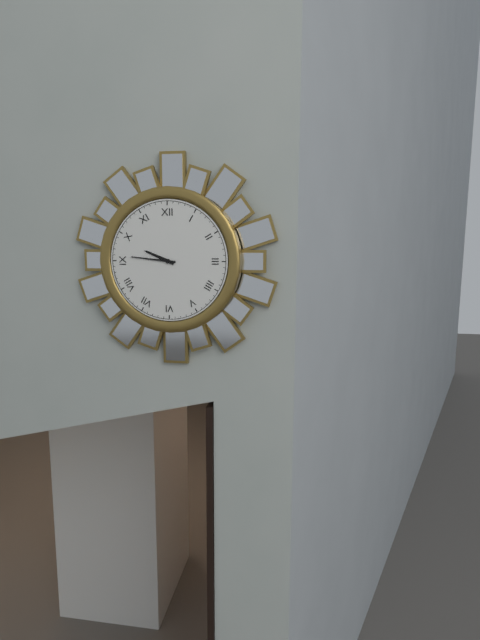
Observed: {"hour": 9, "minute": 46}
